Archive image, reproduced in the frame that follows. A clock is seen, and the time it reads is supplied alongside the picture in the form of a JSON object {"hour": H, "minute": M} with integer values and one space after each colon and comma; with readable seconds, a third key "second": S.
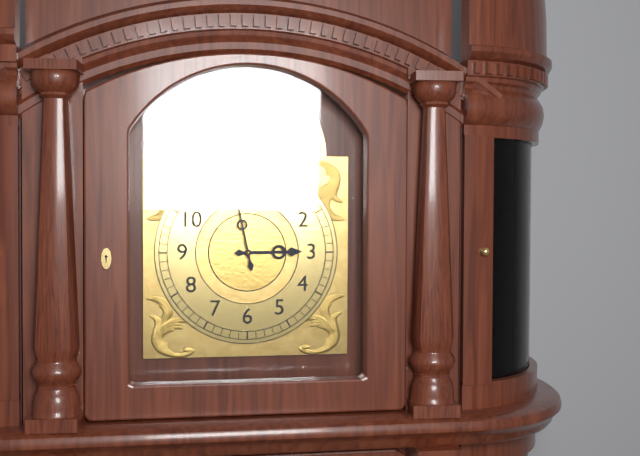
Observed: {"hour": 2, "minute": 58}
